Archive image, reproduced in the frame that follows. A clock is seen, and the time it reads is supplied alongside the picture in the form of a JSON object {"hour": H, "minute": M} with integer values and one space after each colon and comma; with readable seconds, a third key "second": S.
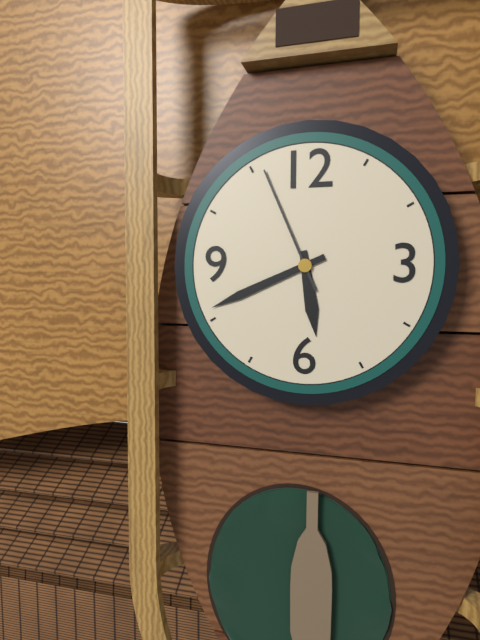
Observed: {"hour": 5, "minute": 41, "second": 56}
